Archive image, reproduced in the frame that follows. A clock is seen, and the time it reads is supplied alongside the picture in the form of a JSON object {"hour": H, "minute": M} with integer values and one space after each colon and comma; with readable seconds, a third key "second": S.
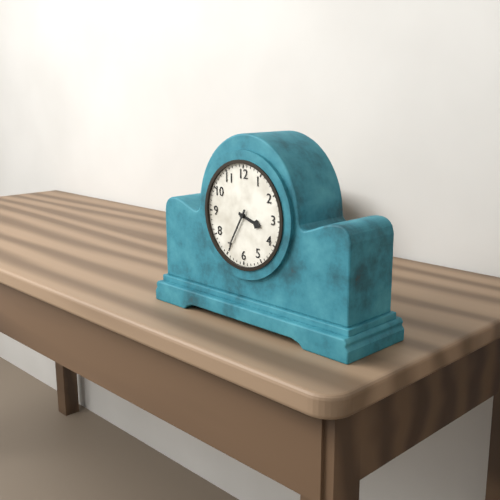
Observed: {"hour": 3, "minute": 35}
